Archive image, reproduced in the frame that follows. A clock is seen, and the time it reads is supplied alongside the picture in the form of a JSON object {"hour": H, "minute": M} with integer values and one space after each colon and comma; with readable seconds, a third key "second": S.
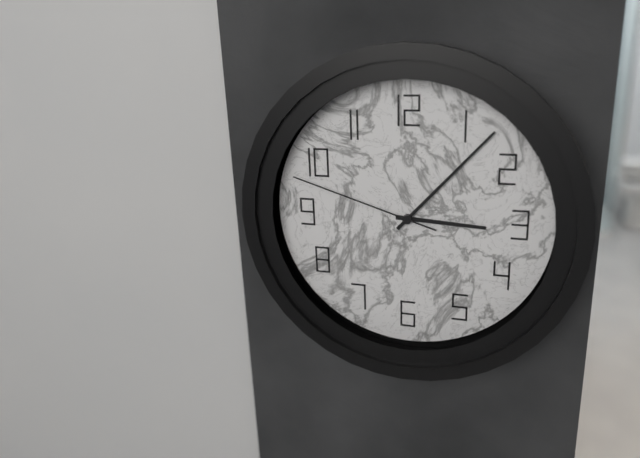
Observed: {"hour": 3, "minute": 7, "second": 48}
